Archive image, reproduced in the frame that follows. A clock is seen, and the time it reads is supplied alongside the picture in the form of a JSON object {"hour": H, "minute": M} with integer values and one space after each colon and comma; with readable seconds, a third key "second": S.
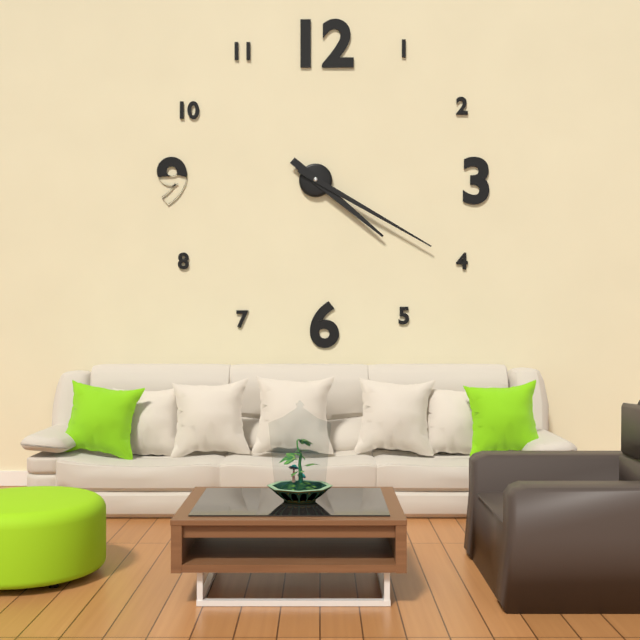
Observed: {"hour": 4, "minute": 20}
